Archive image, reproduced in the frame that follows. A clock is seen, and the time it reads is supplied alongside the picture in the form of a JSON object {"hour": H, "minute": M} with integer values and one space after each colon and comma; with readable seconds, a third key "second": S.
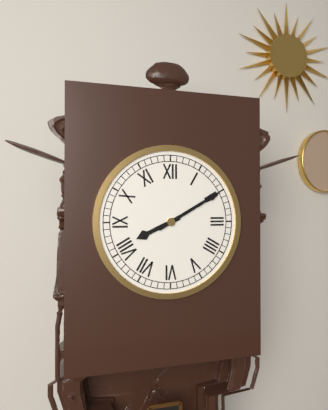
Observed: {"hour": 8, "minute": 10}
